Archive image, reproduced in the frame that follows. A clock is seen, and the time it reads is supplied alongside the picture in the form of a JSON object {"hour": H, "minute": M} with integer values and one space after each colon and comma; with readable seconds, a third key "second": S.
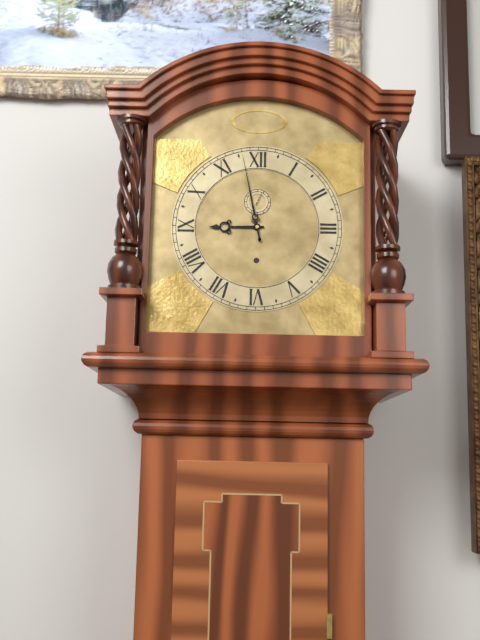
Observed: {"hour": 8, "minute": 58}
